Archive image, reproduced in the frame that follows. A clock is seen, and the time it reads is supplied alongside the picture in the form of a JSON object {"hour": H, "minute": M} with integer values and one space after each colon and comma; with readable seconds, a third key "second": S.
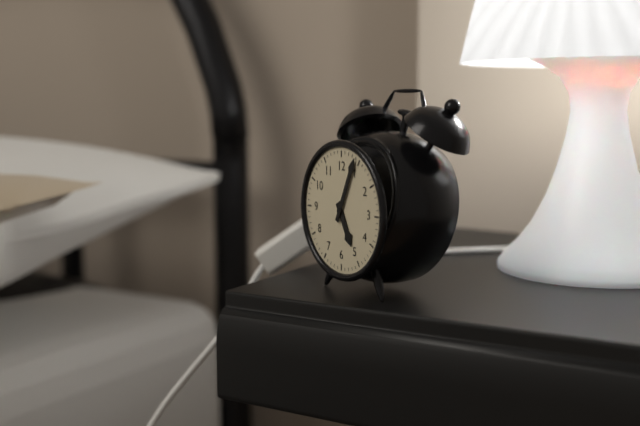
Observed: {"hour": 5, "minute": 4}
